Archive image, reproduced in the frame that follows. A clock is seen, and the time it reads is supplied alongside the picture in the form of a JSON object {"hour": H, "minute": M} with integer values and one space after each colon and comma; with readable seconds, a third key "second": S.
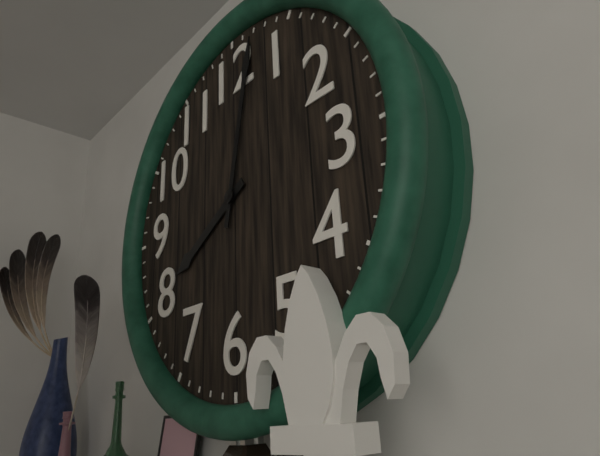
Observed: {"hour": 8, "minute": 2}
